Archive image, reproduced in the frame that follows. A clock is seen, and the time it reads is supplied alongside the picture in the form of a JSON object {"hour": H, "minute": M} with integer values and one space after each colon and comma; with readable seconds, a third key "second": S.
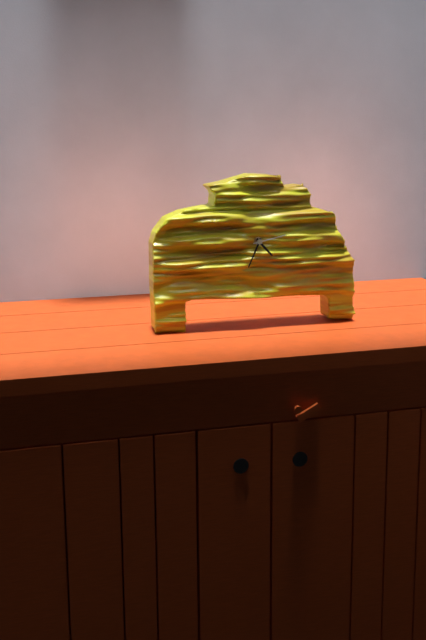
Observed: {"hour": 4, "minute": 34}
